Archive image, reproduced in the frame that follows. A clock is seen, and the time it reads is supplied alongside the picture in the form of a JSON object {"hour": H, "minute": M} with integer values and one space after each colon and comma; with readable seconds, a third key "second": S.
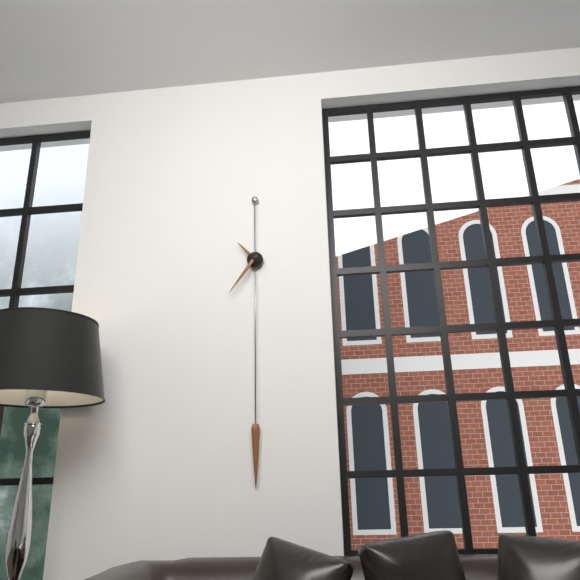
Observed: {"hour": 10, "minute": 36}
